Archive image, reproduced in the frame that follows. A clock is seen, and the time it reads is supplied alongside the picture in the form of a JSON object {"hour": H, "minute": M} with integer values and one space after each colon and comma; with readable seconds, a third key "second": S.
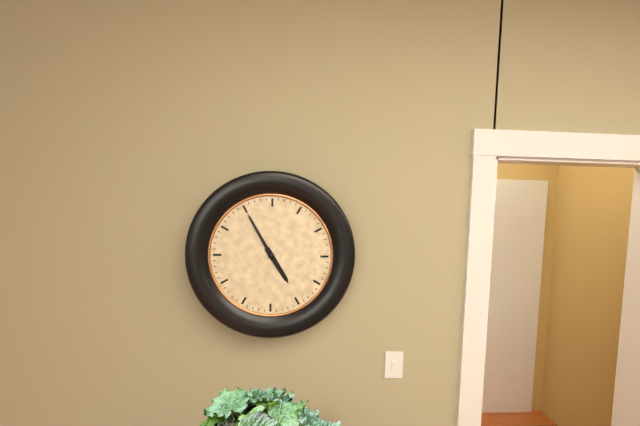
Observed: {"hour": 4, "minute": 55}
